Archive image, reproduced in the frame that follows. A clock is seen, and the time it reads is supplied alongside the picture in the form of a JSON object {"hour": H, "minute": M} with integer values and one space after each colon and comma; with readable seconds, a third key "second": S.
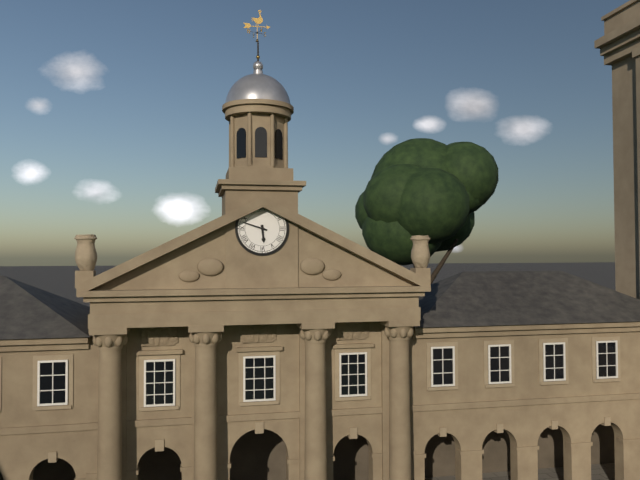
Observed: {"hour": 5, "minute": 48}
